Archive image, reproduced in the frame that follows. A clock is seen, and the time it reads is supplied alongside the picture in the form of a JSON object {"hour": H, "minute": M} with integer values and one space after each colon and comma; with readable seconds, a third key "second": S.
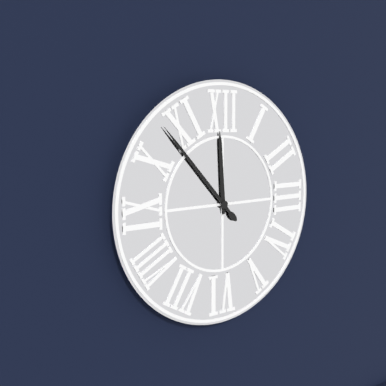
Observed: {"hour": 11, "minute": 53}
